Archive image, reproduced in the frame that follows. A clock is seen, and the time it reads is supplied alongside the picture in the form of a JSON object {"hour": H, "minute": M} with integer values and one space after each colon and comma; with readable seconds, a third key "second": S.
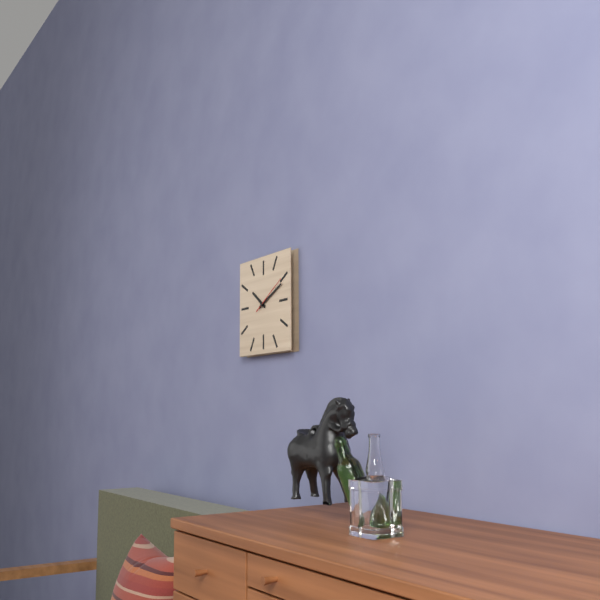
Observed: {"hour": 10, "minute": 11}
